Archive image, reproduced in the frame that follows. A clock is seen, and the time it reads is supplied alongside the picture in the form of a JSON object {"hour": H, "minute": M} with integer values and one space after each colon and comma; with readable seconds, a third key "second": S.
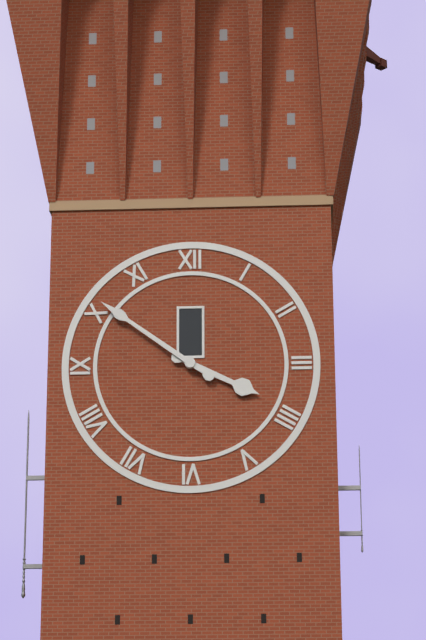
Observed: {"hour": 3, "minute": 51}
